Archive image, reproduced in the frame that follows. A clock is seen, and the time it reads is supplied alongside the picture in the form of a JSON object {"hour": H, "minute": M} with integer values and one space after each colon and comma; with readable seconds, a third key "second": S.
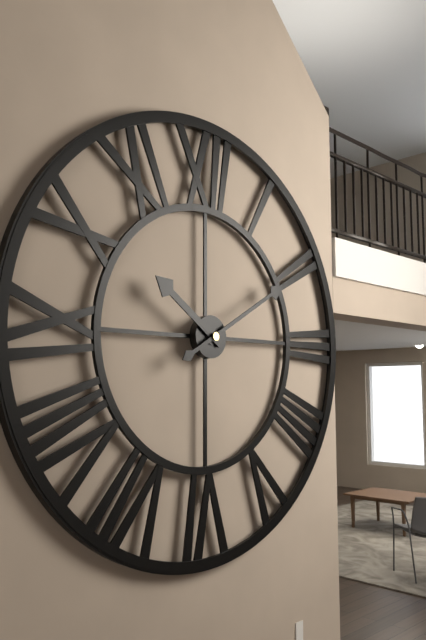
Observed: {"hour": 10, "minute": 10}
